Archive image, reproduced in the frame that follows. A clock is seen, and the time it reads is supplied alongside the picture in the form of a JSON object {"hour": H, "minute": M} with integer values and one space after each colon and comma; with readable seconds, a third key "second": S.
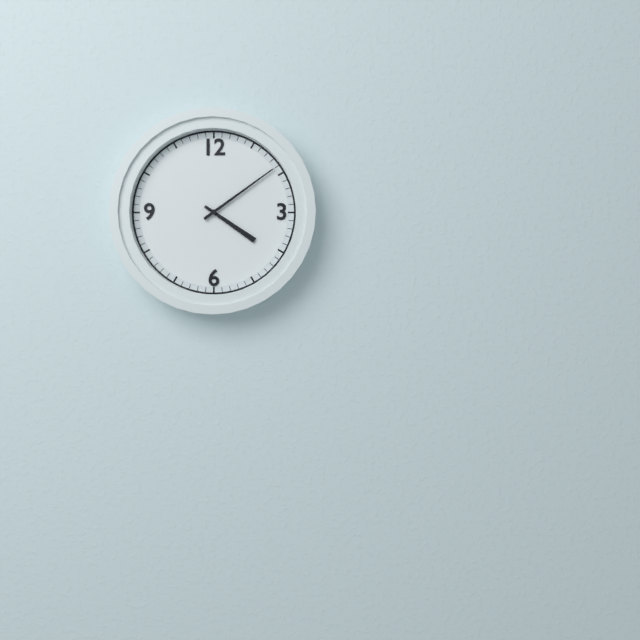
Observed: {"hour": 4, "minute": 9}
